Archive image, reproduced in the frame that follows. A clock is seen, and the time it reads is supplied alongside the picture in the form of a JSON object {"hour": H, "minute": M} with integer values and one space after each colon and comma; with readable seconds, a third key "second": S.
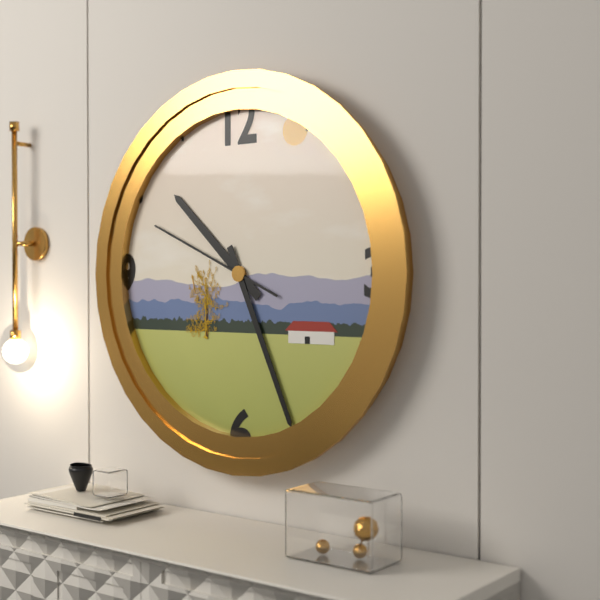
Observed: {"hour": 10, "minute": 26, "second": 49}
